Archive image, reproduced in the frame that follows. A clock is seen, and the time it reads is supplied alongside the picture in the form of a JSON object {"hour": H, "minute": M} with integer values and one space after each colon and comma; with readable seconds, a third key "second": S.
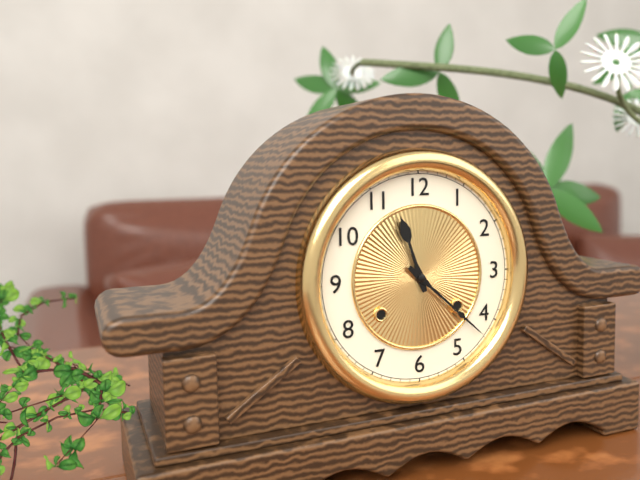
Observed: {"hour": 11, "minute": 22}
